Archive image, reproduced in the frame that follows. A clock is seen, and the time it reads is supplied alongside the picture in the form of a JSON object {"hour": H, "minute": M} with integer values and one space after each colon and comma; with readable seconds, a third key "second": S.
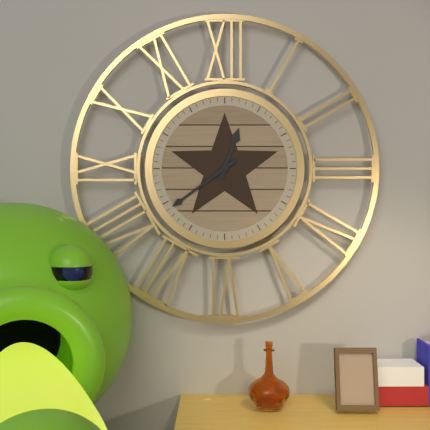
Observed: {"hour": 12, "minute": 39}
